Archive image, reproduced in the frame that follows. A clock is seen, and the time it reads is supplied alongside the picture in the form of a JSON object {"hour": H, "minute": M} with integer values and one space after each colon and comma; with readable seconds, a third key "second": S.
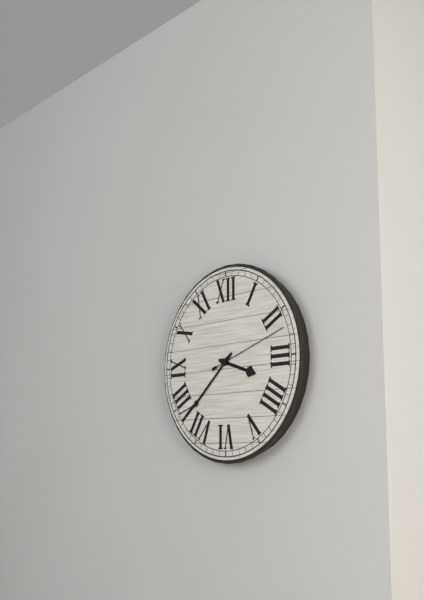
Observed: {"hour": 3, "minute": 38, "second": 12}
